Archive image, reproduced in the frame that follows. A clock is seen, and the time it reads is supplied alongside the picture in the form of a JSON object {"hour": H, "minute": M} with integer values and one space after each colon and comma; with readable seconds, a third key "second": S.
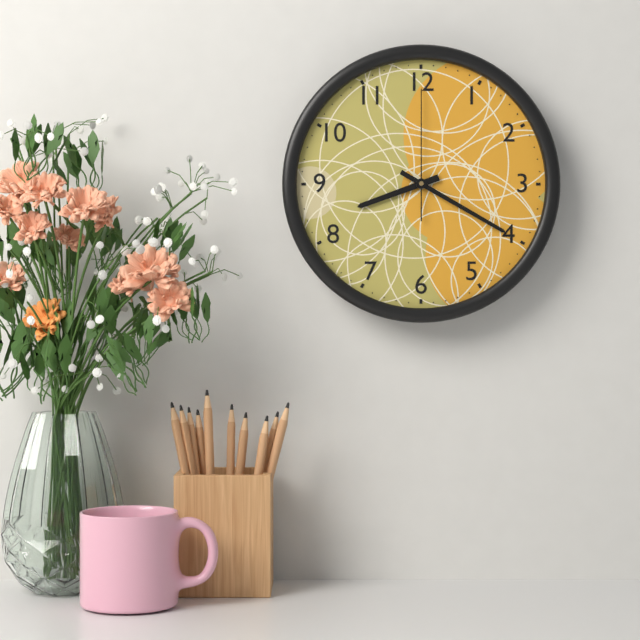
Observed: {"hour": 8, "minute": 20, "second": 0}
